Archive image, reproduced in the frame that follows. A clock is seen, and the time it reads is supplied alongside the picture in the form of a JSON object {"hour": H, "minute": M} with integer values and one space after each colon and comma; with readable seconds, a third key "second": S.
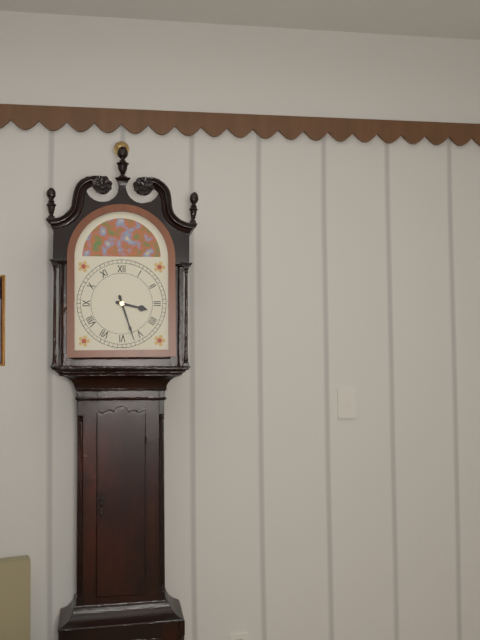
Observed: {"hour": 3, "minute": 27}
